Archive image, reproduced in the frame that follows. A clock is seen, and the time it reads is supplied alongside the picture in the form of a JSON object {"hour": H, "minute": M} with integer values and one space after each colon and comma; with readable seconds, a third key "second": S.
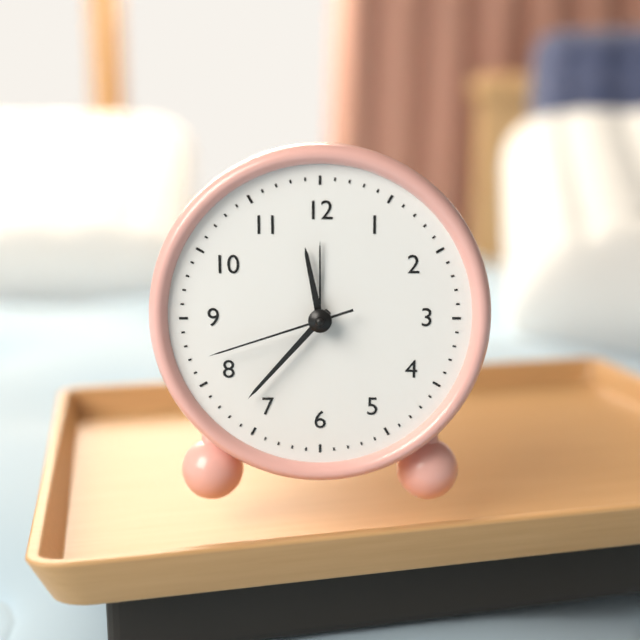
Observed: {"hour": 11, "minute": 37, "second": 42}
